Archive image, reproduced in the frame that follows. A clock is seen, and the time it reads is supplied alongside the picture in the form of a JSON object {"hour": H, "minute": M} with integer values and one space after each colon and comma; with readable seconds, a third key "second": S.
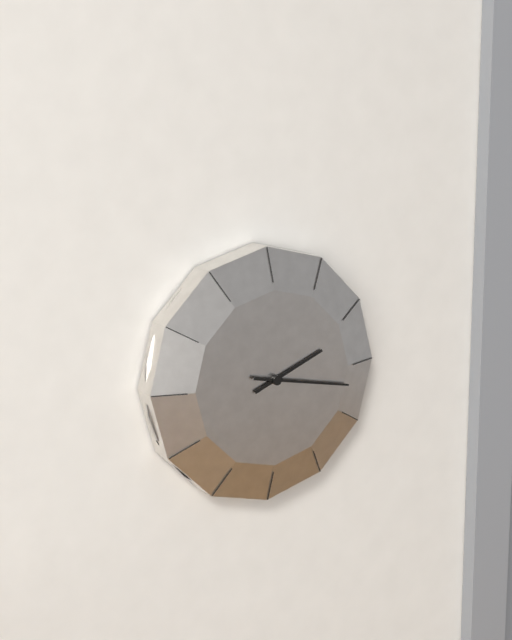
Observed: {"hour": 2, "minute": 17}
